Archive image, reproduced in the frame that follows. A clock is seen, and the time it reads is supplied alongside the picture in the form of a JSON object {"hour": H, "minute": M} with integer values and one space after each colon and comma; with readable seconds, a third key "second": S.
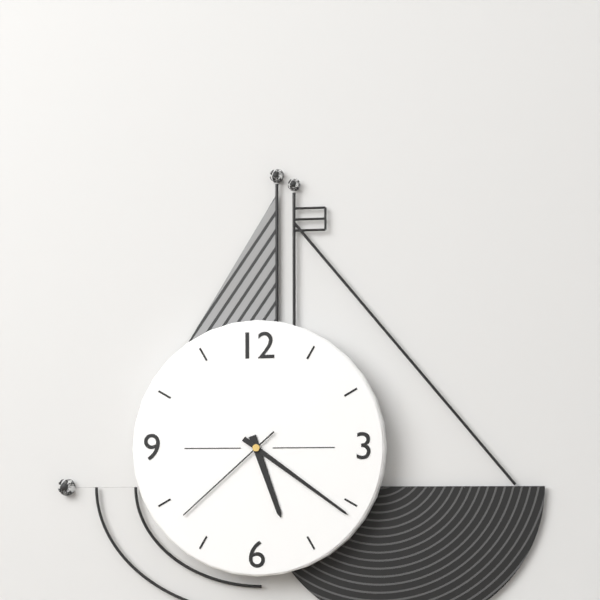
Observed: {"hour": 5, "minute": 21, "second": 38}
